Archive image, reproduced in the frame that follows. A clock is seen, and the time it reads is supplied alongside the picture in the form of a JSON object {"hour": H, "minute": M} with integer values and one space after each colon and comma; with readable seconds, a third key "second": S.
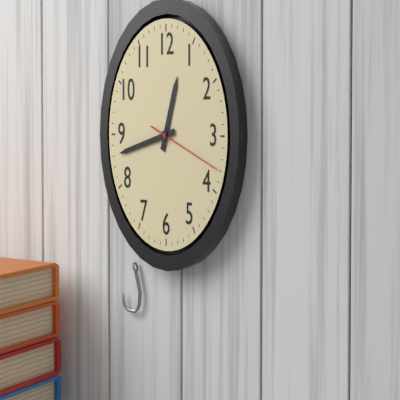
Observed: {"hour": 12, "minute": 43, "second": 18}
